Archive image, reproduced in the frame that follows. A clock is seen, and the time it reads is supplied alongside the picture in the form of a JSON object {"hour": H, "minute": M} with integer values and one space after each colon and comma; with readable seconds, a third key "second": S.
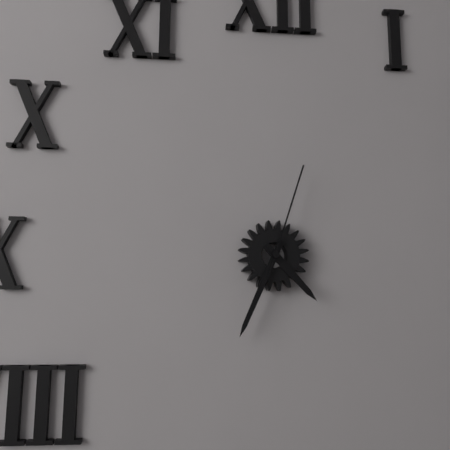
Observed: {"hour": 4, "minute": 34, "second": 3}
